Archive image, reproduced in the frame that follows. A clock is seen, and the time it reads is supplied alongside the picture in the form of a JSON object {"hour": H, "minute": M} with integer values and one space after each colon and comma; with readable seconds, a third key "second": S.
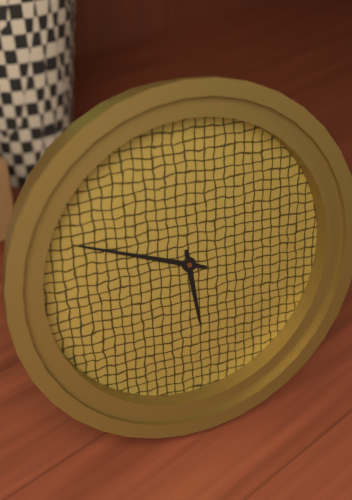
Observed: {"hour": 5, "minute": 49}
